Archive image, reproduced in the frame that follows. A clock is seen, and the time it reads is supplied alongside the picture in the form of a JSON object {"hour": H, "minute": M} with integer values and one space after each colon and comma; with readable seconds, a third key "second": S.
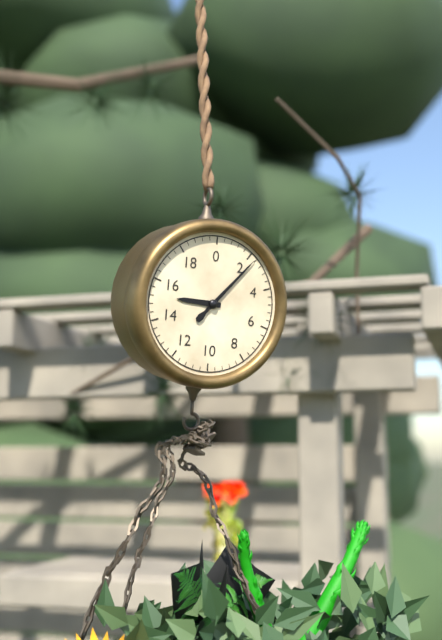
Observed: {"hour": 9, "minute": 7}
